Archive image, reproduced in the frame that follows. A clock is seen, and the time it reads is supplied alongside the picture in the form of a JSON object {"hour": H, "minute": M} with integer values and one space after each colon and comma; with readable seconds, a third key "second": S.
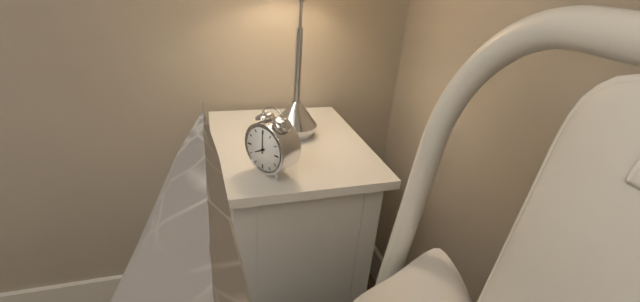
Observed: {"hour": 8, "minute": 0}
